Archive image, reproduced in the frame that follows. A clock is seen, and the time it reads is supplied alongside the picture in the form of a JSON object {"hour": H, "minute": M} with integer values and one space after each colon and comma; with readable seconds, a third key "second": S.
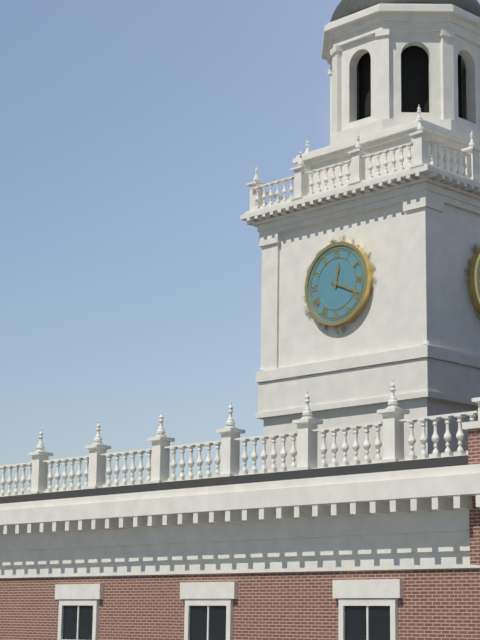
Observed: {"hour": 12, "minute": 19}
